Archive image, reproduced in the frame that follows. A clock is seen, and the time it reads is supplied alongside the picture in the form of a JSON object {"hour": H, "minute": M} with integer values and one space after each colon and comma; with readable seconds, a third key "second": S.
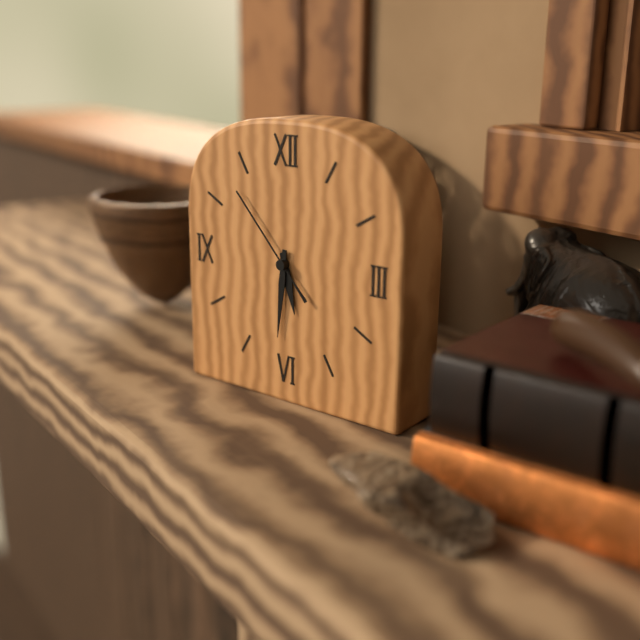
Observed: {"hour": 5, "minute": 31, "second": 53}
